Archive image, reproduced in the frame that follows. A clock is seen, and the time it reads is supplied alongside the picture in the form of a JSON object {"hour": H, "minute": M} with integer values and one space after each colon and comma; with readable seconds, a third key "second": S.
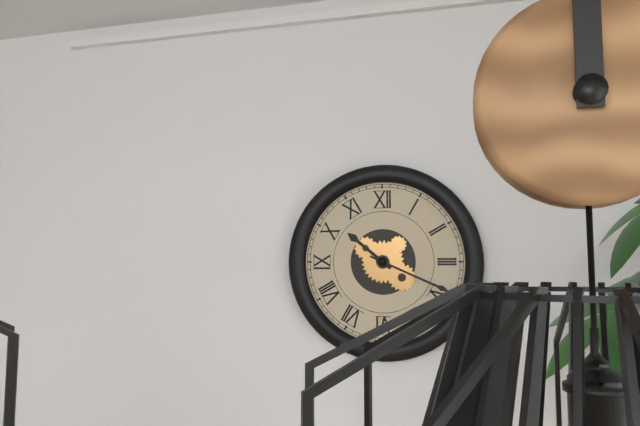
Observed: {"hour": 10, "minute": 19}
